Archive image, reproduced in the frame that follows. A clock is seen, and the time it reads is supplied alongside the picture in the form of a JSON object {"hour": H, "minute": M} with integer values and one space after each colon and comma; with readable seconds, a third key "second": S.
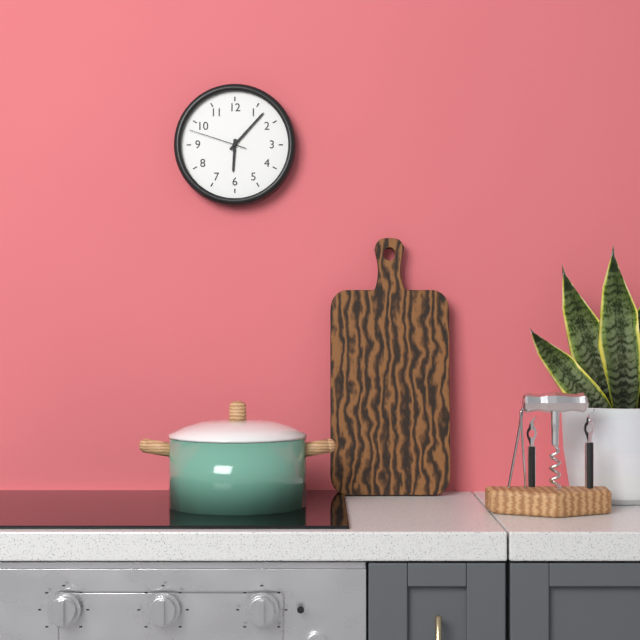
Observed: {"hour": 6, "minute": 7, "second": 48}
